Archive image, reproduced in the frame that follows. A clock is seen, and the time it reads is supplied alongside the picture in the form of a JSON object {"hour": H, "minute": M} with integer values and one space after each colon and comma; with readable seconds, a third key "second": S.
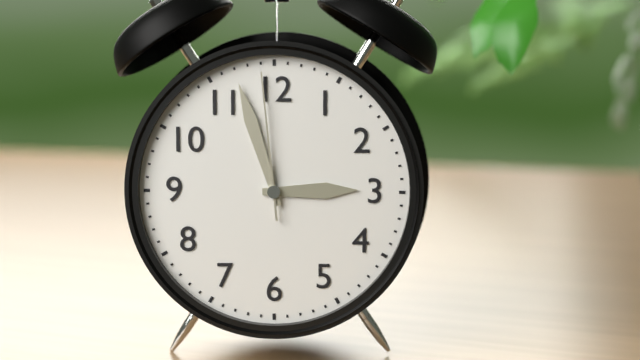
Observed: {"hour": 2, "minute": 57, "second": 59}
